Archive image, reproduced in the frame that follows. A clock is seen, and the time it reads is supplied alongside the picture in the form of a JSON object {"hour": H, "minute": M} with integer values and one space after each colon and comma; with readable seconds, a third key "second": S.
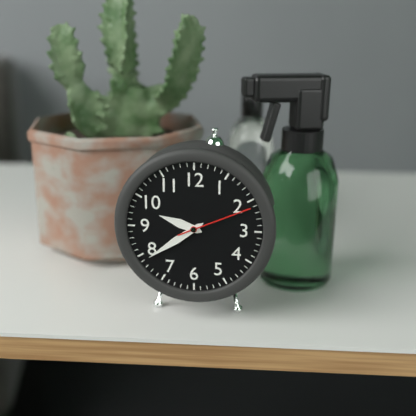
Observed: {"hour": 9, "minute": 39, "second": 11}
